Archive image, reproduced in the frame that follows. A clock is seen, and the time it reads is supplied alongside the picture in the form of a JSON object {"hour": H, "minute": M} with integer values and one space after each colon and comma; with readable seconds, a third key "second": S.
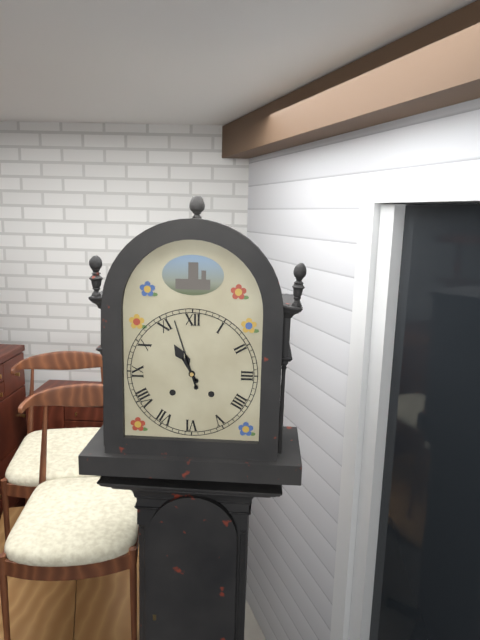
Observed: {"hour": 10, "minute": 57}
